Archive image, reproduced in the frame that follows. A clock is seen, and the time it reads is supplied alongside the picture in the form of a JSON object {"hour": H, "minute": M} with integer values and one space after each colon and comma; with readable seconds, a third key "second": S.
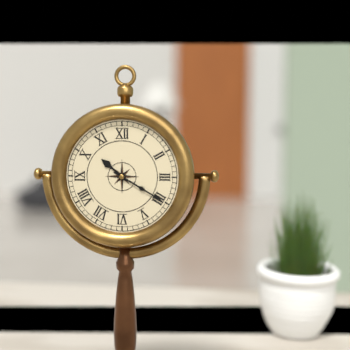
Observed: {"hour": 10, "minute": 20}
